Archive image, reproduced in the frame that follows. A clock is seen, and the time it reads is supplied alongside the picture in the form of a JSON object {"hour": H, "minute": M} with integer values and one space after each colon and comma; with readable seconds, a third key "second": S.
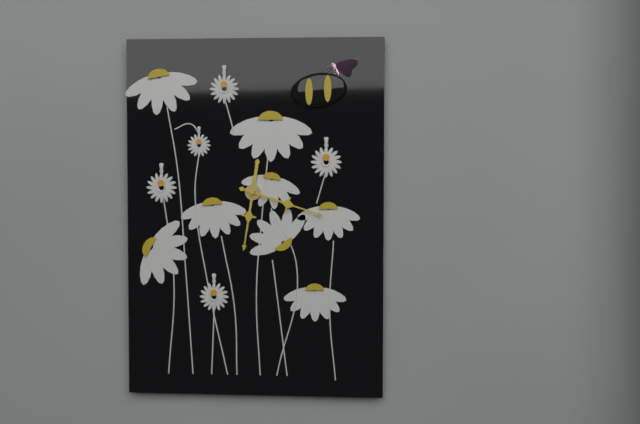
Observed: {"hour": 6, "minute": 18}
